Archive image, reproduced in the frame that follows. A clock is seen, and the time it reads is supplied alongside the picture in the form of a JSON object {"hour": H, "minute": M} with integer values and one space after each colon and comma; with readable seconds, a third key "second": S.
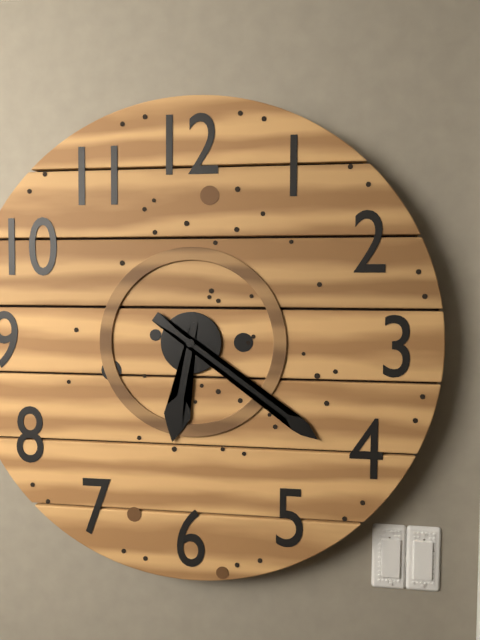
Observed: {"hour": 6, "minute": 21}
